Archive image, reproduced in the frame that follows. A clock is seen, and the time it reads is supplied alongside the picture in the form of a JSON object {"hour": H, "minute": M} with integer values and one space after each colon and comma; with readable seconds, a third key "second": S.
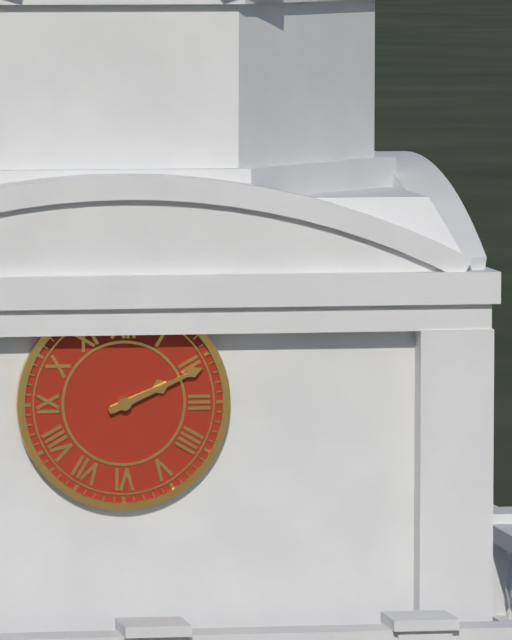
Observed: {"hour": 2, "minute": 11}
